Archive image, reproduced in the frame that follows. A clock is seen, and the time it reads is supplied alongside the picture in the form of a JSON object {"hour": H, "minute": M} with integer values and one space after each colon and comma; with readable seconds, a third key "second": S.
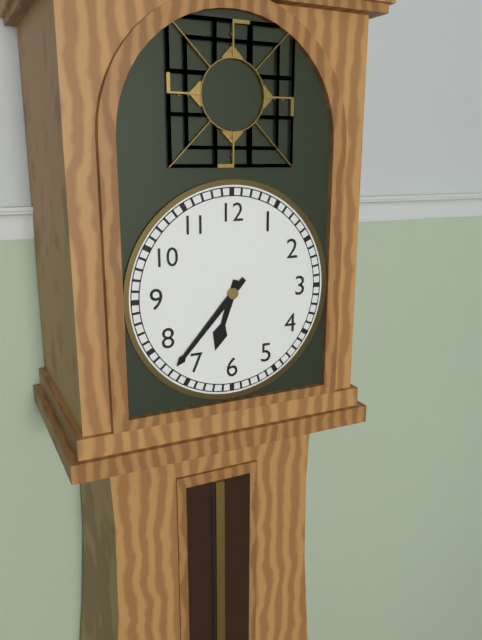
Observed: {"hour": 6, "minute": 37}
